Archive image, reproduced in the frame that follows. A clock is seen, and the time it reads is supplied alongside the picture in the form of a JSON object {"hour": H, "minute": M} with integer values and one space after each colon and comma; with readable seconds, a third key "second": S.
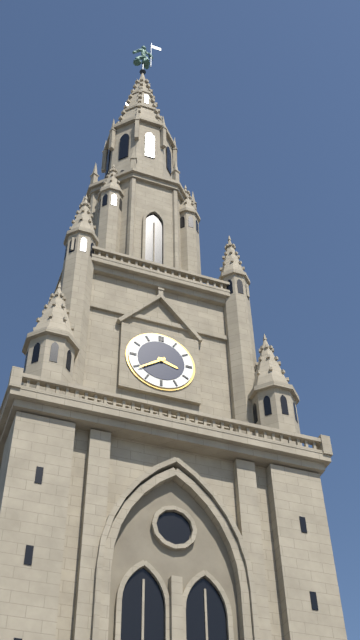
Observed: {"hour": 3, "minute": 39}
